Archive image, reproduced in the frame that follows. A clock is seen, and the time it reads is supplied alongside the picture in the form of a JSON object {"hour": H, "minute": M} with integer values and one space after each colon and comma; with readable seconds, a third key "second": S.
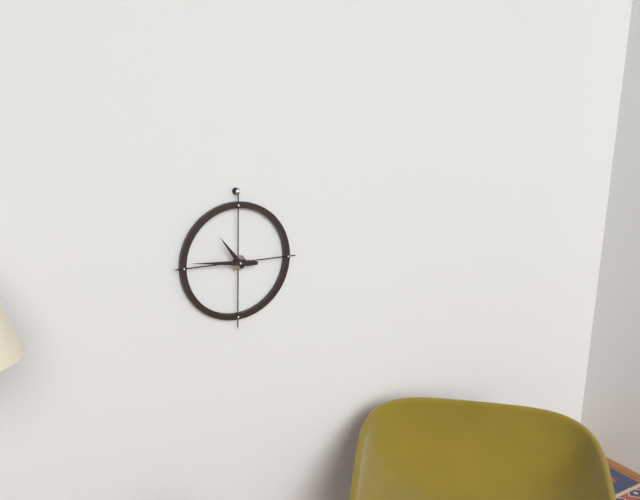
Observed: {"hour": 10, "minute": 46}
